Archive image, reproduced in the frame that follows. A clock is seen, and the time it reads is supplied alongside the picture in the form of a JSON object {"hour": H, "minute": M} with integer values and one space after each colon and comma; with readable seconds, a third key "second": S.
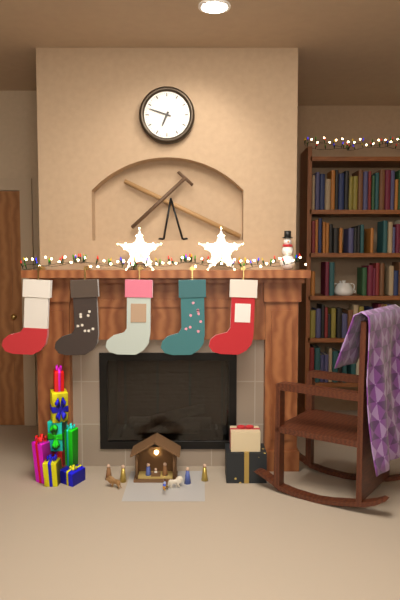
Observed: {"hour": 6, "minute": 48}
